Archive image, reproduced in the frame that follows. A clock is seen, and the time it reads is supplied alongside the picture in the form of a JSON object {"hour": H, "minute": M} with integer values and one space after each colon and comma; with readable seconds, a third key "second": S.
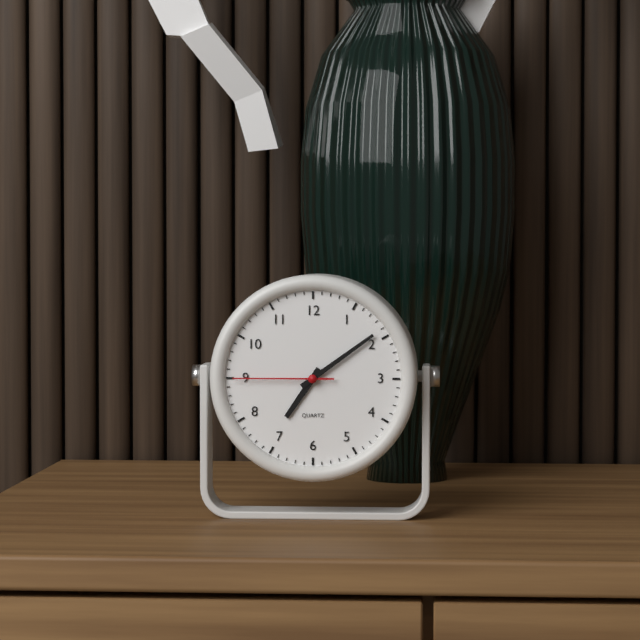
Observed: {"hour": 7, "minute": 9, "second": 45}
